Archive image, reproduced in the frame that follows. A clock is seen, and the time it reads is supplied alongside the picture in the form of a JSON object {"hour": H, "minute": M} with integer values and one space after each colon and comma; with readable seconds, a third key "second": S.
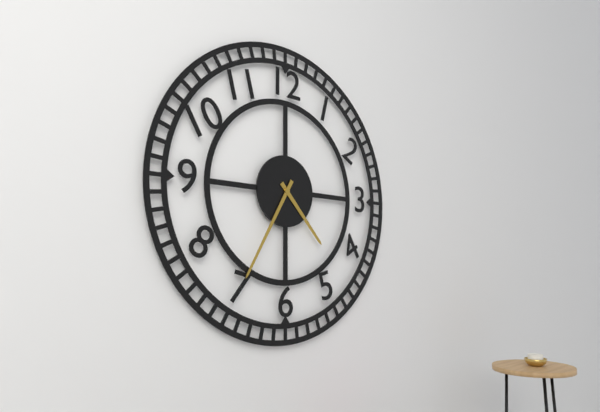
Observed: {"hour": 4, "minute": 35}
